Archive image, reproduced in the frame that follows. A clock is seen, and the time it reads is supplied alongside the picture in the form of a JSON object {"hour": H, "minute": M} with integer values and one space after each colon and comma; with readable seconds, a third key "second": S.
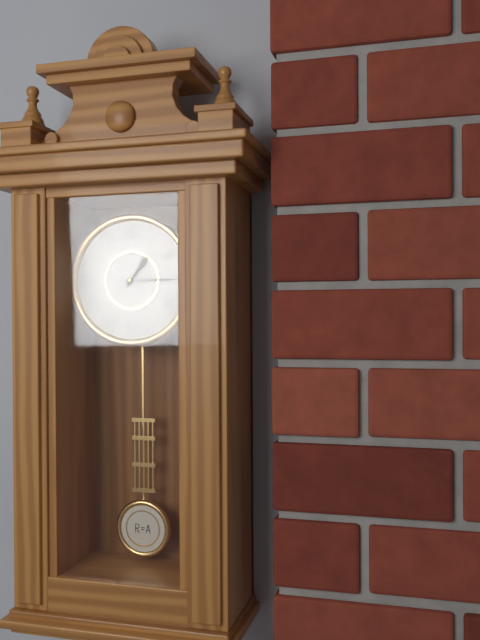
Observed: {"hour": 1, "minute": 15}
